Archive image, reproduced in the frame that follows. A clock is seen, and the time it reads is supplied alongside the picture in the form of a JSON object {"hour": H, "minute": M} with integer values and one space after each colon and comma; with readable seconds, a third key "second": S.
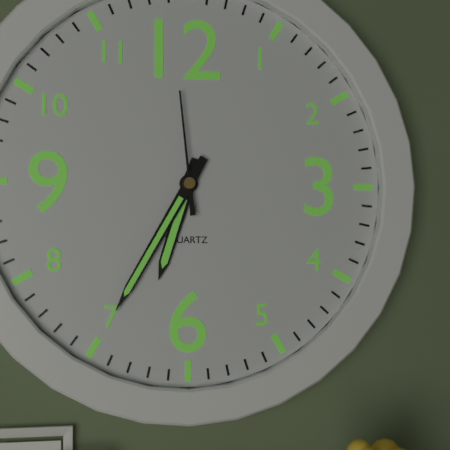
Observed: {"hour": 6, "minute": 35, "second": 59}
